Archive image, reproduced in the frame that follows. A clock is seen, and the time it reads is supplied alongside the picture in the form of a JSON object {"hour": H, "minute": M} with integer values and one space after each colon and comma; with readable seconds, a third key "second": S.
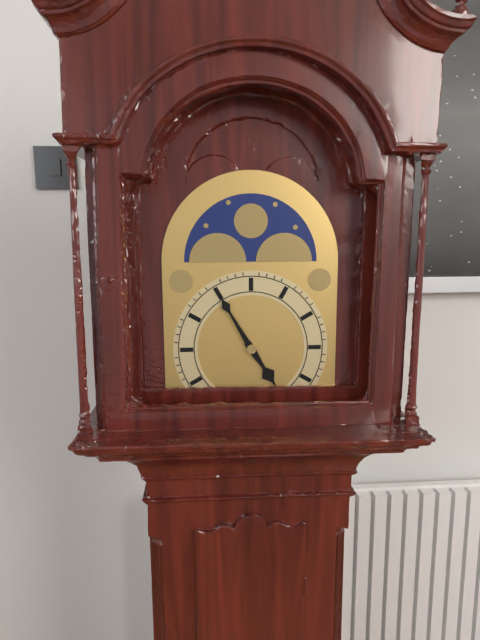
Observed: {"hour": 4, "minute": 55}
